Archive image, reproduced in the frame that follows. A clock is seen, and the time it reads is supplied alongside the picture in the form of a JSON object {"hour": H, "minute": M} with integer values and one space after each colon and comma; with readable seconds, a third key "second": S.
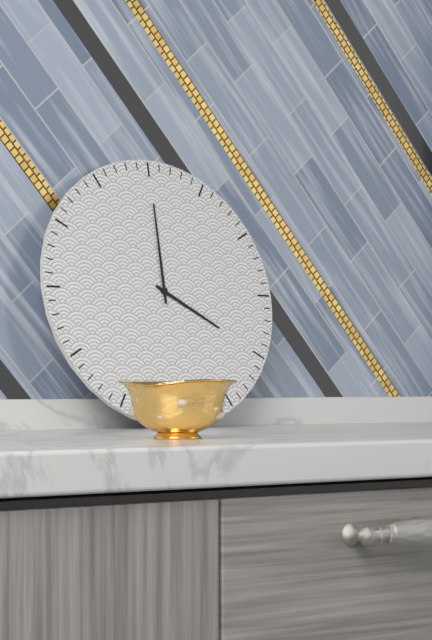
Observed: {"hour": 4, "minute": 0}
